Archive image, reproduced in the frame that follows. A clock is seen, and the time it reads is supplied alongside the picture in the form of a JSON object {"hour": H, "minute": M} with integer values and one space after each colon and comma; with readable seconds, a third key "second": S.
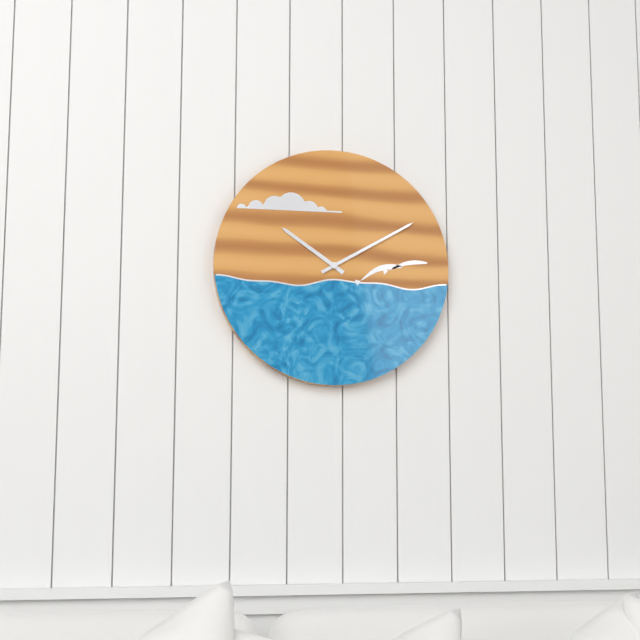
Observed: {"hour": 10, "minute": 10}
